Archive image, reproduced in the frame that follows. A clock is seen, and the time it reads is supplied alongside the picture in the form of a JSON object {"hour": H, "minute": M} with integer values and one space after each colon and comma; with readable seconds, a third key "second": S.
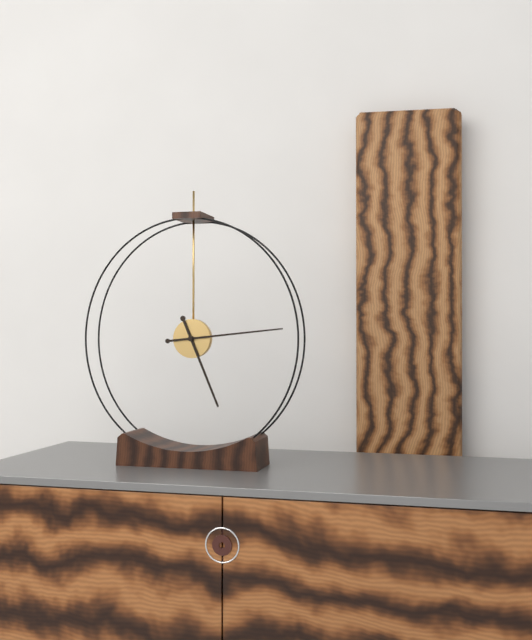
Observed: {"hour": 5, "minute": 14}
